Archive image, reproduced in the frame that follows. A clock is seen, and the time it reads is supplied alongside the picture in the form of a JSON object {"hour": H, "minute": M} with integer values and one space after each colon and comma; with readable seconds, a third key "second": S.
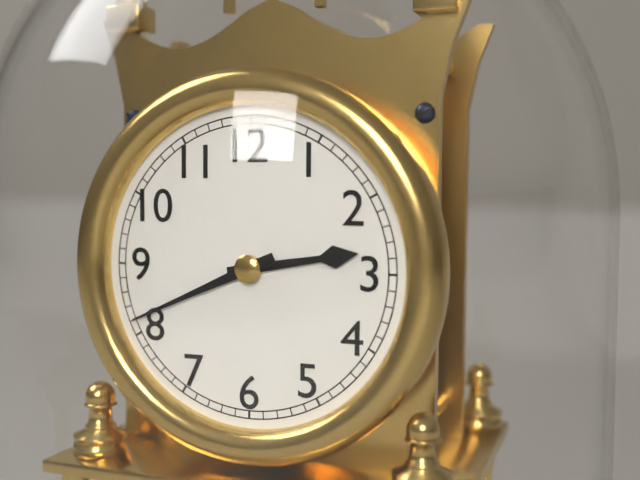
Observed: {"hour": 2, "minute": 41}
